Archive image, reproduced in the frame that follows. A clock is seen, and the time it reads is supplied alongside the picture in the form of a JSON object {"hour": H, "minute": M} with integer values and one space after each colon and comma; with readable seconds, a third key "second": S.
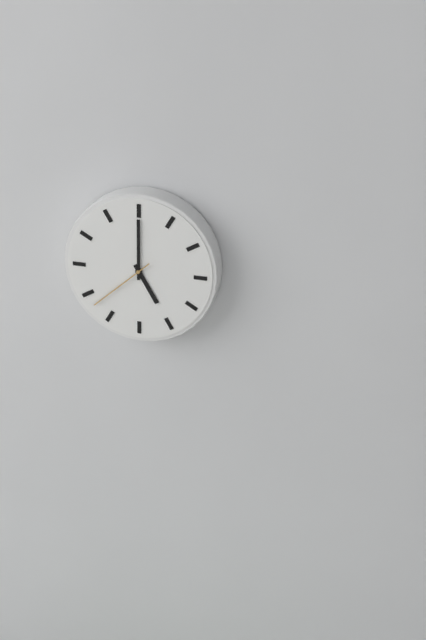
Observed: {"hour": 5, "minute": 0, "second": 38}
